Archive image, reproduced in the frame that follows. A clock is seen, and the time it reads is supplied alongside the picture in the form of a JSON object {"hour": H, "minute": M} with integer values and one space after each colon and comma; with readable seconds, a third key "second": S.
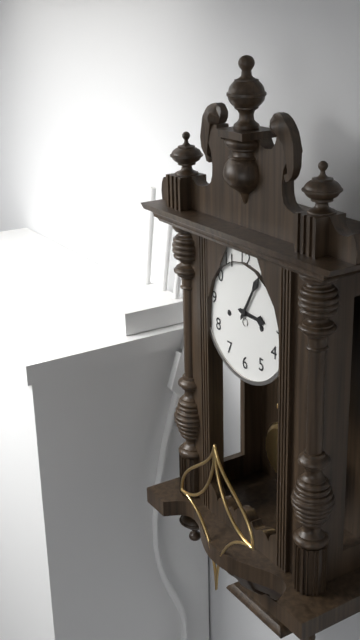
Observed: {"hour": 3, "minute": 5}
